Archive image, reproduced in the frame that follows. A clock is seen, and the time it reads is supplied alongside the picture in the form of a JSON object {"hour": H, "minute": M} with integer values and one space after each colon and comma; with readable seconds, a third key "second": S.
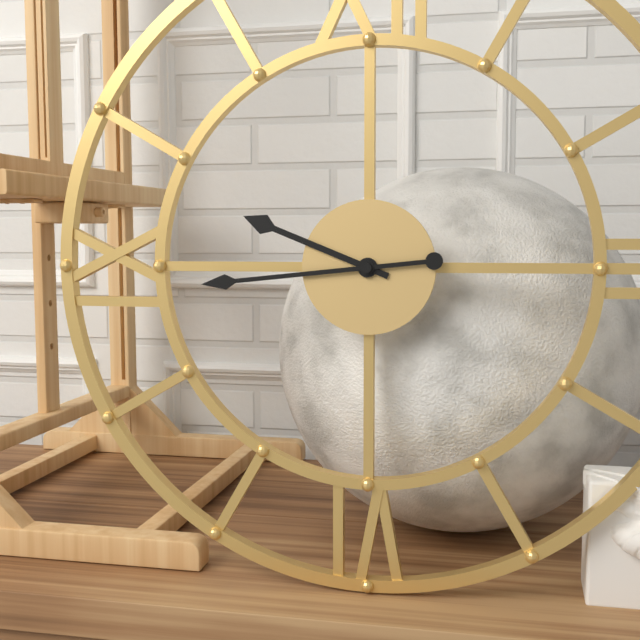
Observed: {"hour": 9, "minute": 44}
